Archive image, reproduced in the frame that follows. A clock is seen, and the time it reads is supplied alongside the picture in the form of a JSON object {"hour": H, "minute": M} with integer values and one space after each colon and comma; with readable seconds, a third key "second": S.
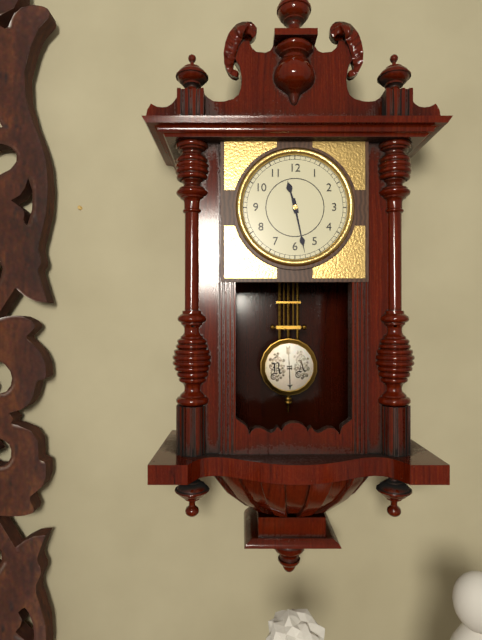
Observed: {"hour": 11, "minute": 28}
